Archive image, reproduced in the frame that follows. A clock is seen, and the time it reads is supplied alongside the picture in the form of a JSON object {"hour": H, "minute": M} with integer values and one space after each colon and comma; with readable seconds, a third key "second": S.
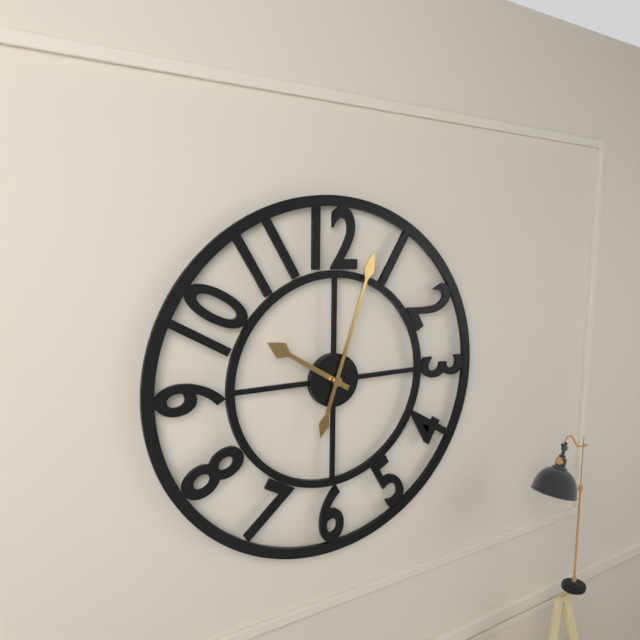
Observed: {"hour": 10, "minute": 3}
